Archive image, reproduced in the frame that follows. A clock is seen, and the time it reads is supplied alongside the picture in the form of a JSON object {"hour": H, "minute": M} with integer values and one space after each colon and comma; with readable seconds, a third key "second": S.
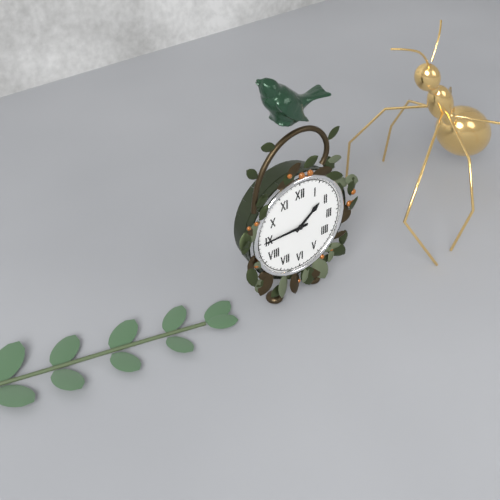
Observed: {"hour": 1, "minute": 45}
